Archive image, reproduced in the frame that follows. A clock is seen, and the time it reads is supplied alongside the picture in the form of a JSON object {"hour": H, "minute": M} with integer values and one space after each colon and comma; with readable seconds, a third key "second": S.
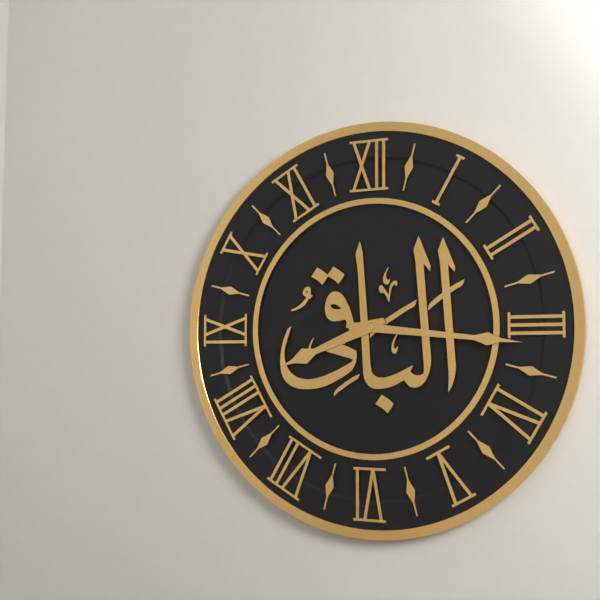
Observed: {"hour": 8, "minute": 16}
